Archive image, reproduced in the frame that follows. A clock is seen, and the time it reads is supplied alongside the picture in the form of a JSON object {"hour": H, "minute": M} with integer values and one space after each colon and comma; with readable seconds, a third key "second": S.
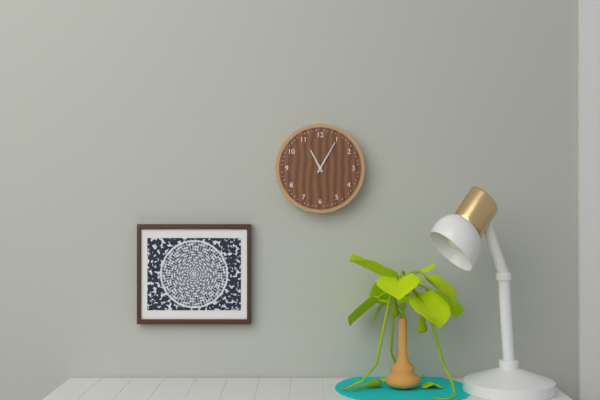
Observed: {"hour": 11, "minute": 5}
